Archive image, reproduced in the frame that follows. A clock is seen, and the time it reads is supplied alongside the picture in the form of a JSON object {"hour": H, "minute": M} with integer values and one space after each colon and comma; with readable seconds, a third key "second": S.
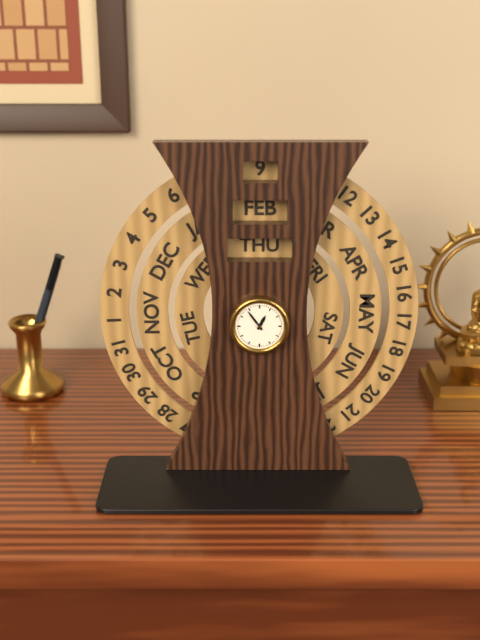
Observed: {"hour": 12, "minute": 54}
